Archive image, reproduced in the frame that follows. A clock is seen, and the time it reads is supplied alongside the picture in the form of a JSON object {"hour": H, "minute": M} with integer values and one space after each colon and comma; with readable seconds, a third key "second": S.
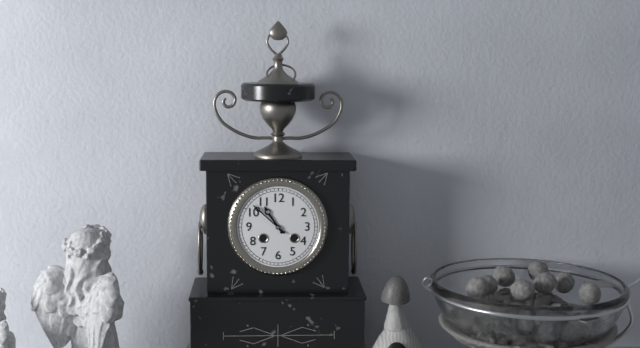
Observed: {"hour": 10, "minute": 52}
